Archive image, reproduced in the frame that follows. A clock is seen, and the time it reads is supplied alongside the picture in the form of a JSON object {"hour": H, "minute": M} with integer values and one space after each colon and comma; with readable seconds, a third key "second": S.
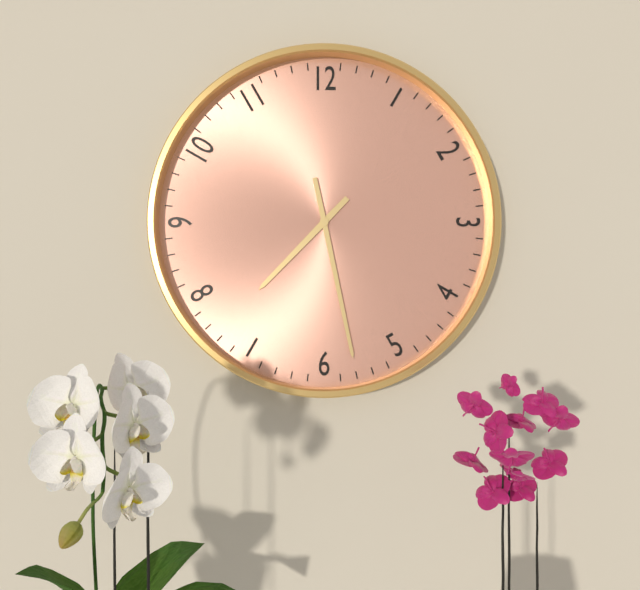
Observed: {"hour": 7, "minute": 28}
